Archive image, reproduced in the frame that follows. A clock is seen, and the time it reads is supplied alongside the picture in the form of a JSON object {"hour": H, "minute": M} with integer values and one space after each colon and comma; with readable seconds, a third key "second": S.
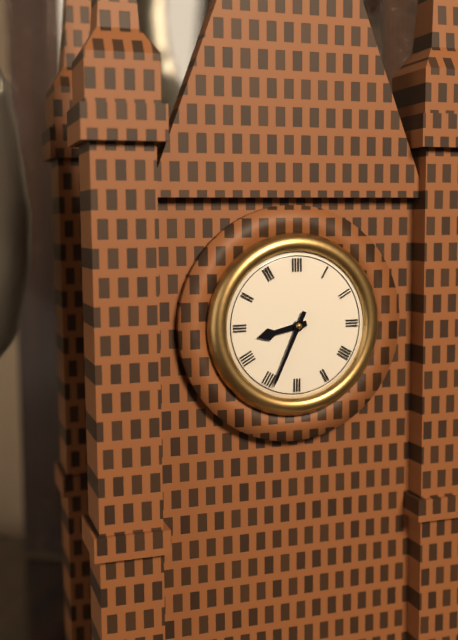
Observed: {"hour": 8, "minute": 34}
